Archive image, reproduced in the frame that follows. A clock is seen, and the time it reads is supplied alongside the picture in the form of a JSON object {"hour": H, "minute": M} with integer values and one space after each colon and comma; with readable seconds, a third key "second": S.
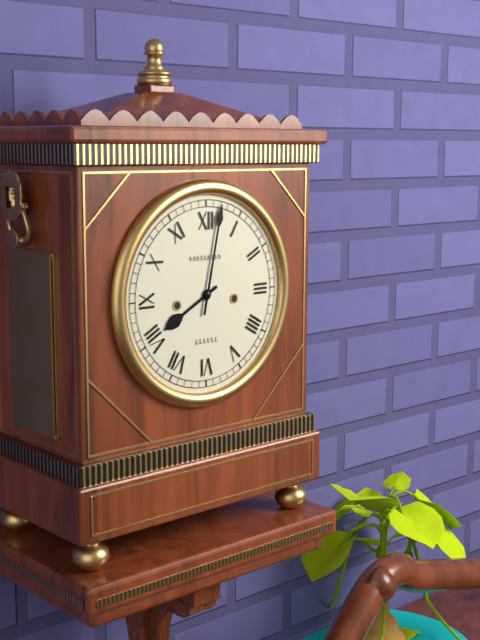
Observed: {"hour": 8, "minute": 2}
